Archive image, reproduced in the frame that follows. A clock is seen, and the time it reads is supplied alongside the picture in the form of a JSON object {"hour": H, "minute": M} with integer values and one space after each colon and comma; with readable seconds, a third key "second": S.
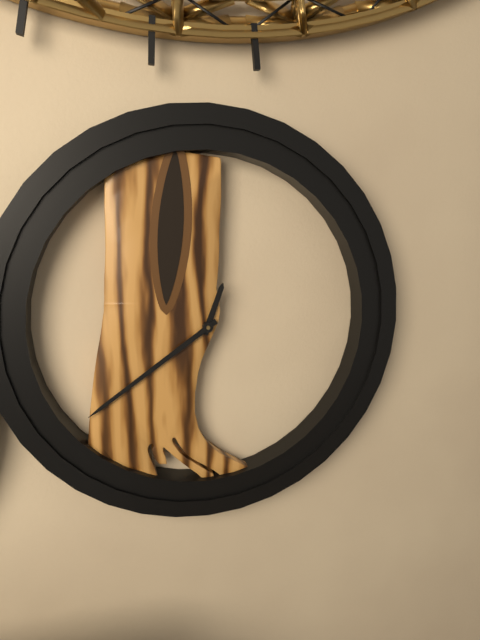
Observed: {"hour": 12, "minute": 39}
